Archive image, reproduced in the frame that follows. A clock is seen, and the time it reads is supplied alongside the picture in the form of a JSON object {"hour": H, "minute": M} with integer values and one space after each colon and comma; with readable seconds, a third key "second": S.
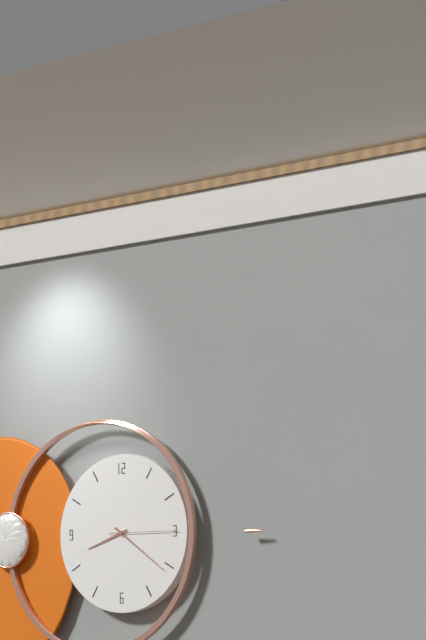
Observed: {"hour": 8, "minute": 21, "second": 15}
